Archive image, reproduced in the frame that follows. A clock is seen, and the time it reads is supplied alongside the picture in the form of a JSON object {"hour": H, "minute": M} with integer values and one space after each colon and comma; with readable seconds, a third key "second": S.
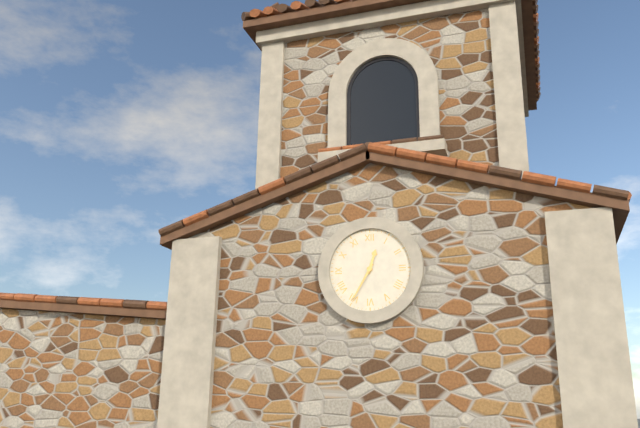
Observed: {"hour": 12, "minute": 35}
